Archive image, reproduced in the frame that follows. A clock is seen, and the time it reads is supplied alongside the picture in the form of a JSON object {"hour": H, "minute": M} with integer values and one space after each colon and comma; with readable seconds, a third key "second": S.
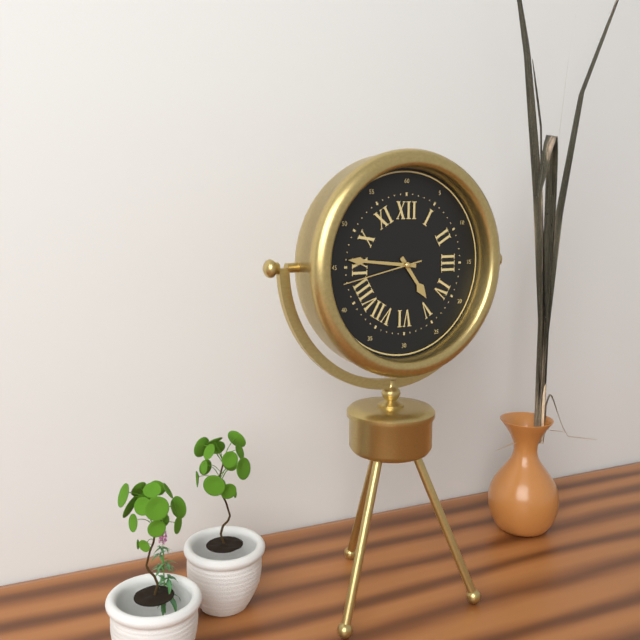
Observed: {"hour": 4, "minute": 46, "second": 43}
